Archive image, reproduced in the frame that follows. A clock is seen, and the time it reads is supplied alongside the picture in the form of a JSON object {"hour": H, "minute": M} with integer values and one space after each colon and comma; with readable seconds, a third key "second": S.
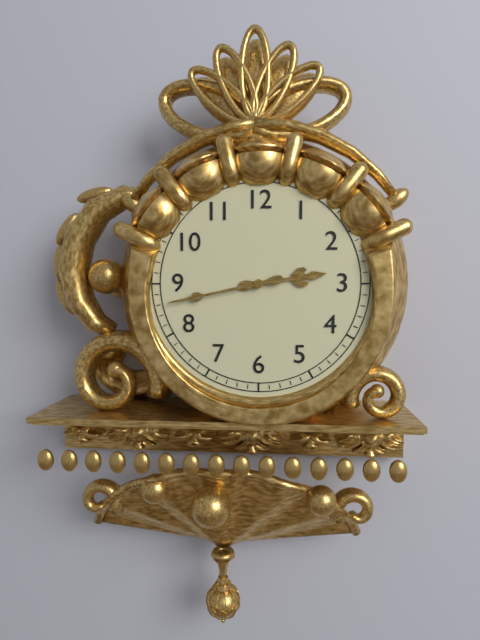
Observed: {"hour": 2, "minute": 43}
